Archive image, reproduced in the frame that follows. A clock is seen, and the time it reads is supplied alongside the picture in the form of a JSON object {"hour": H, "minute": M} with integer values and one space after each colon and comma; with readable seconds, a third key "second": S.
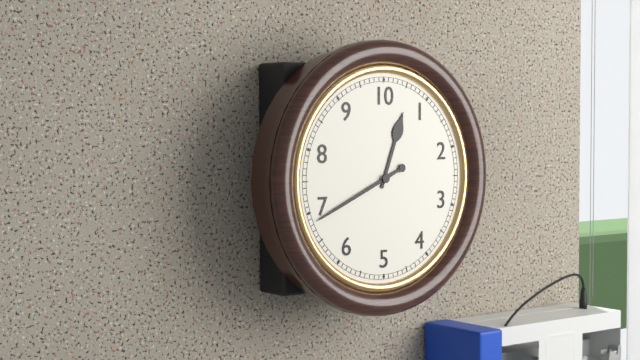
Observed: {"hour": 12, "minute": 41}
